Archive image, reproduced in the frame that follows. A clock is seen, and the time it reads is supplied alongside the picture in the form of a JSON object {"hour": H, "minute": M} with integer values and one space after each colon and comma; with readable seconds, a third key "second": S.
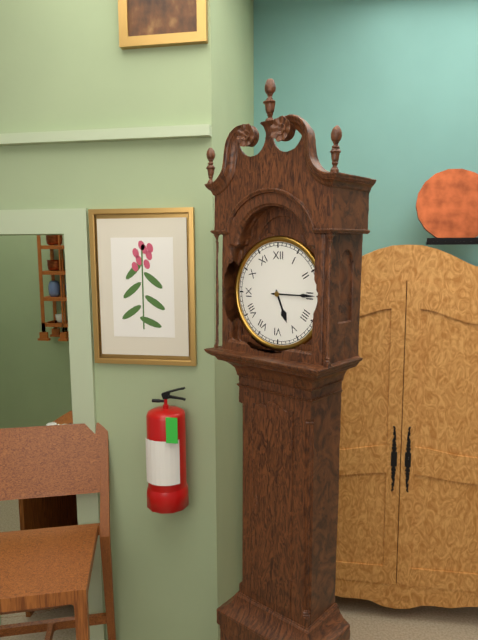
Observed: {"hour": 5, "minute": 15}
